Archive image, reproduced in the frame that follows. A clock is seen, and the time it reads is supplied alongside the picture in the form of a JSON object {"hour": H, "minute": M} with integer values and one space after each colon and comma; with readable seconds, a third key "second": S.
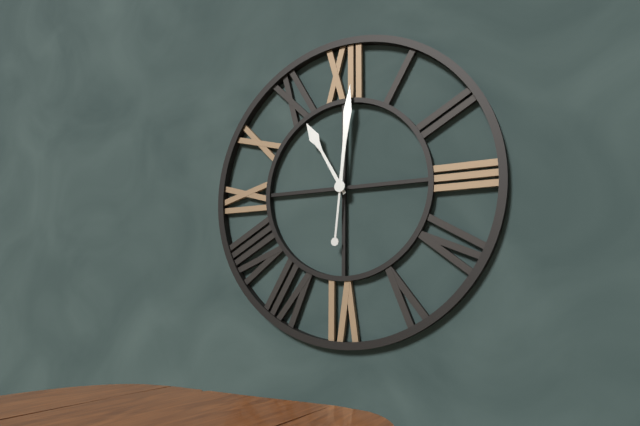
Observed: {"hour": 11, "minute": 1}
